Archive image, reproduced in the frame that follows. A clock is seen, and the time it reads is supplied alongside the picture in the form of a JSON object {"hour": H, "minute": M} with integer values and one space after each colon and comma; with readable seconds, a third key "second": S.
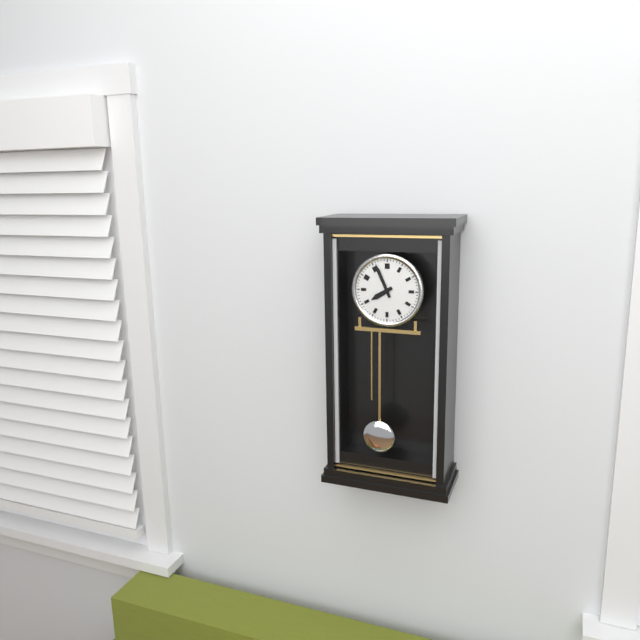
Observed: {"hour": 7, "minute": 56}
